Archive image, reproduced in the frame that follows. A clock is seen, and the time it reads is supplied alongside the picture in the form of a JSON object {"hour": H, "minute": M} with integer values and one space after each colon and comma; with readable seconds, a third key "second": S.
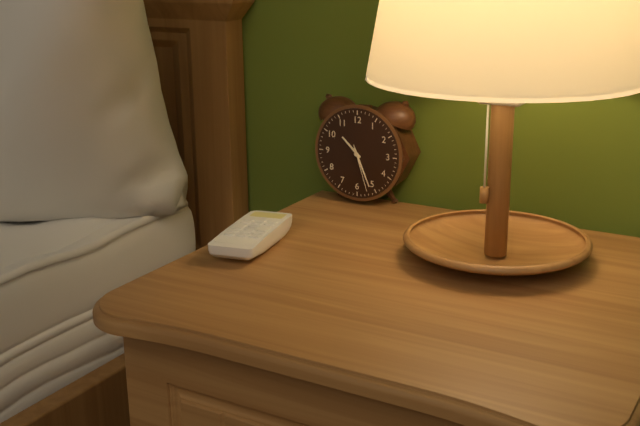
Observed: {"hour": 10, "minute": 26}
